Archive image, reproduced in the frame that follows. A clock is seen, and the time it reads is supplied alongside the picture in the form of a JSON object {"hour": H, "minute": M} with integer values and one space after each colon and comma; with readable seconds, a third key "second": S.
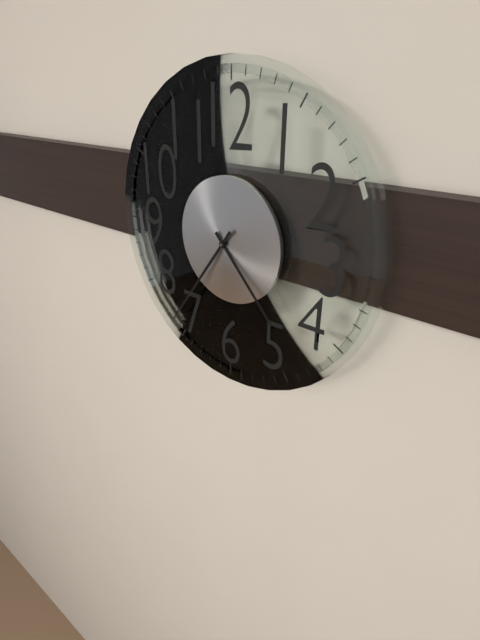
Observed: {"hour": 4, "minute": 36}
